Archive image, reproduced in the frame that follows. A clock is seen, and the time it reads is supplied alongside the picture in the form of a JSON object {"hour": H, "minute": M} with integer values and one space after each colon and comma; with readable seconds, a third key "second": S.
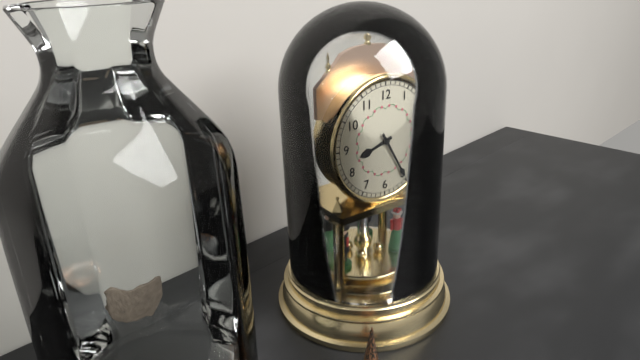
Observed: {"hour": 8, "minute": 25}
